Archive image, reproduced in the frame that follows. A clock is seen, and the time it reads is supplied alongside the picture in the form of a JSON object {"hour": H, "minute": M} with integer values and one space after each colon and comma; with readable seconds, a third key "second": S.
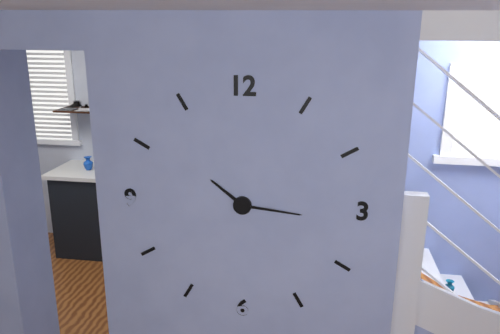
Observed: {"hour": 10, "minute": 16}
